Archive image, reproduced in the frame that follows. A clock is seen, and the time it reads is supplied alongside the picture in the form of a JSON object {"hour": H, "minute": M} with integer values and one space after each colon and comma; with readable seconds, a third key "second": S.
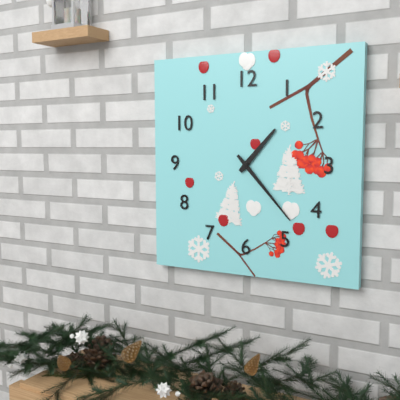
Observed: {"hour": 1, "minute": 23}
